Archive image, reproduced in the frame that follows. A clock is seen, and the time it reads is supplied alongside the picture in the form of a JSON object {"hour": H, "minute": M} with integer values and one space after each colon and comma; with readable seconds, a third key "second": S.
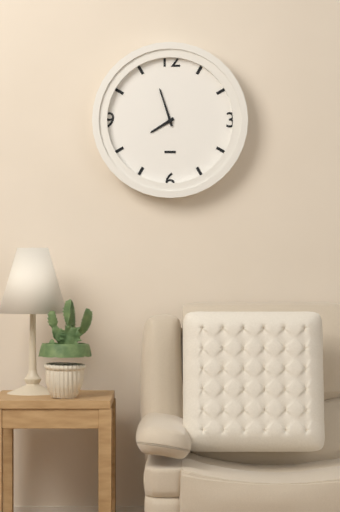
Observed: {"hour": 7, "minute": 57}
